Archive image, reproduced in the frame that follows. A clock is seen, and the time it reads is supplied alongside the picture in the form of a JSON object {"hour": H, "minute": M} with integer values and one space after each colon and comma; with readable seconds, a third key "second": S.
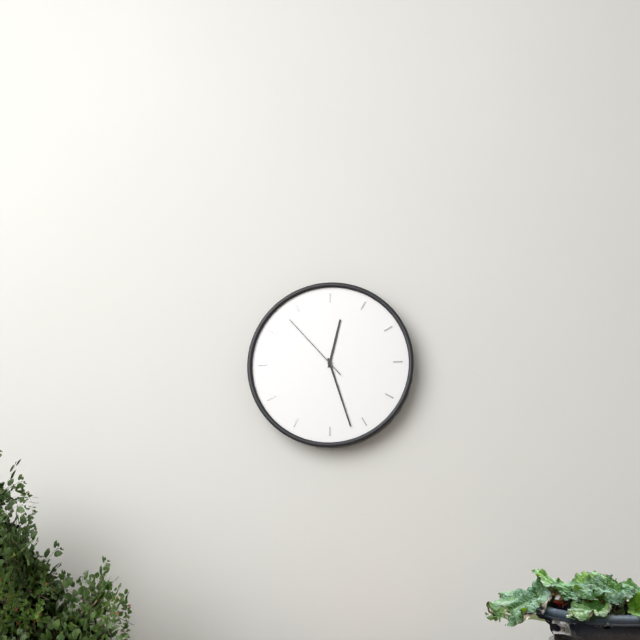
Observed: {"hour": 12, "minute": 27, "second": 53}
